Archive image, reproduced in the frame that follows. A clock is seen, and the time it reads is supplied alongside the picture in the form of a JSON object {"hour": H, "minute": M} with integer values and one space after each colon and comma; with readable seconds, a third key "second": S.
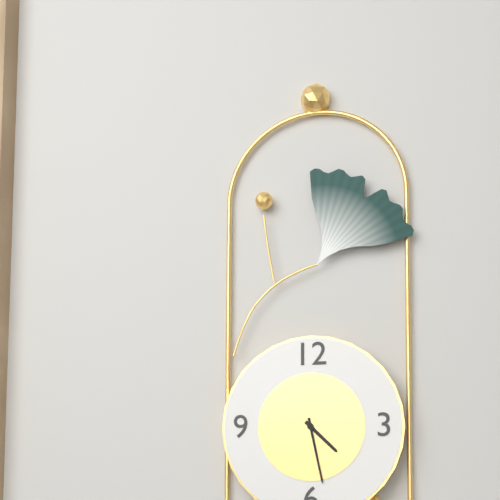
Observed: {"hour": 4, "minute": 28}
